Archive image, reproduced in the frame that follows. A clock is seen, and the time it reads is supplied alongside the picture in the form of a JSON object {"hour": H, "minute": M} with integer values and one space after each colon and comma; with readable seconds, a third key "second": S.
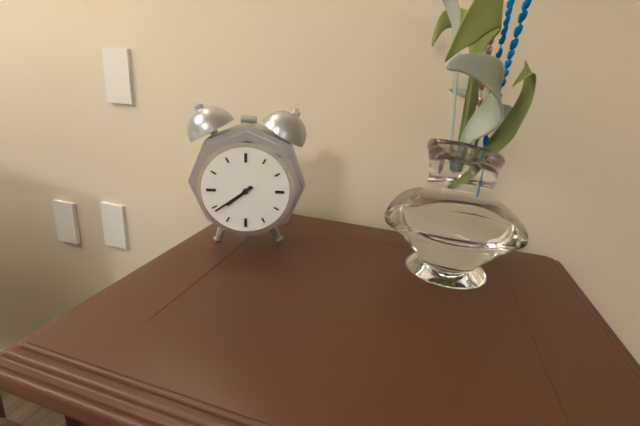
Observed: {"hour": 7, "minute": 39}
